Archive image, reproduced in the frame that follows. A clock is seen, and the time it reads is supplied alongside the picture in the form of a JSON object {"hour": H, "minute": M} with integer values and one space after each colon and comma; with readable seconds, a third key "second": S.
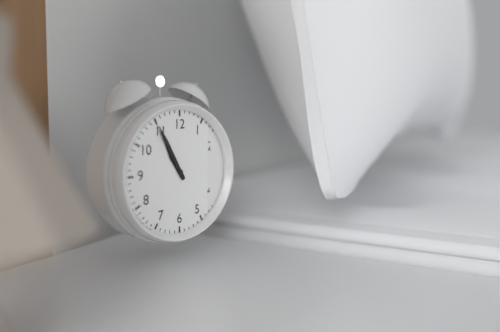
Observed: {"hour": 10, "minute": 55}
